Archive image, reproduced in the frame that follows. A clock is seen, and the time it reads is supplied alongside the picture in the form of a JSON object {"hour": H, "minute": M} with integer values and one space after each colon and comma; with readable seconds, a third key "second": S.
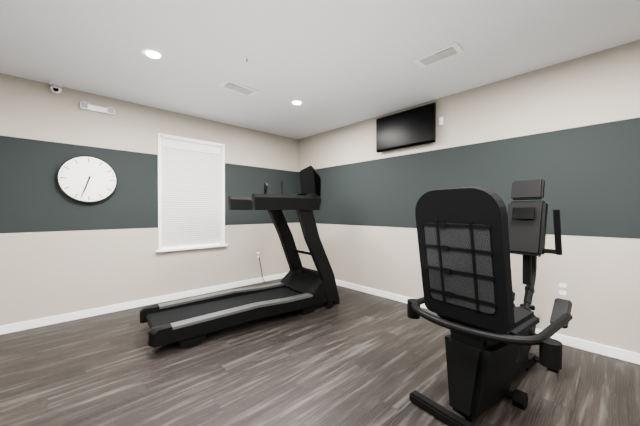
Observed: {"hour": 6, "minute": 33}
